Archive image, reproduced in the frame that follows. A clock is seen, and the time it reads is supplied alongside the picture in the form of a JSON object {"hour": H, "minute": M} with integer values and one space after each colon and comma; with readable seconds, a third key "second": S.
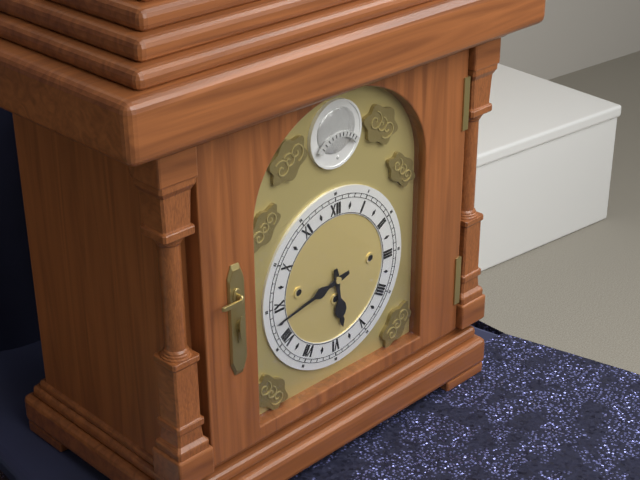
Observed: {"hour": 5, "minute": 43}
